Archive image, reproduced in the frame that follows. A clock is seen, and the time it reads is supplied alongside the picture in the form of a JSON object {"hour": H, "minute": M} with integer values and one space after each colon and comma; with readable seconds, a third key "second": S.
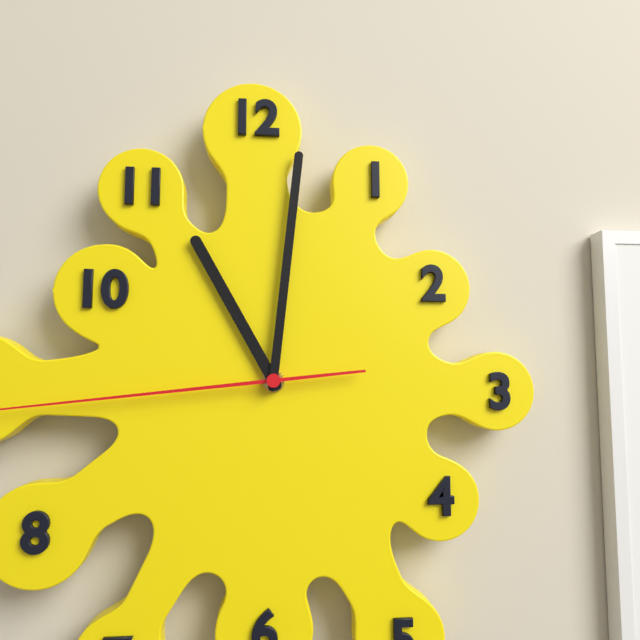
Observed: {"hour": 11, "minute": 1}
